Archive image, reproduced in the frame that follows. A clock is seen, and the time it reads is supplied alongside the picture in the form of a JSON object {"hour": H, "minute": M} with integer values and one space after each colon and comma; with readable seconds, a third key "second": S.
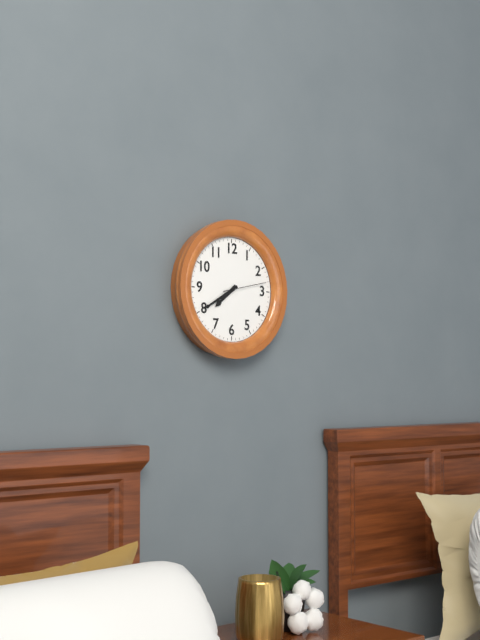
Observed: {"hour": 7, "minute": 40}
